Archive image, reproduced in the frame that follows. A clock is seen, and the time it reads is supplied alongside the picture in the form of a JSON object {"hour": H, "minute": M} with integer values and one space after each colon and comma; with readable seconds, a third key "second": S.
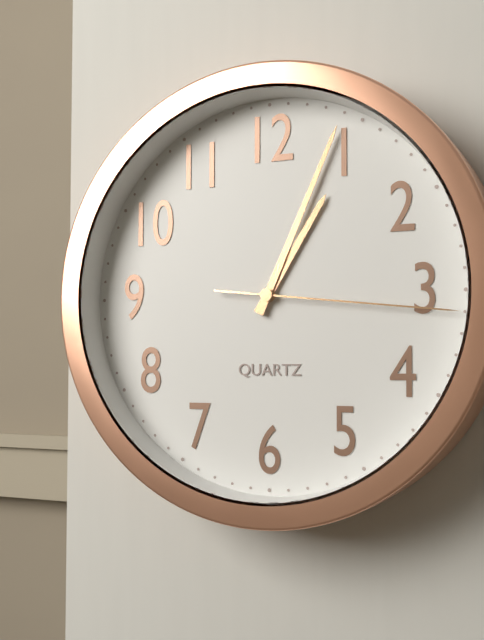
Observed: {"hour": 1, "minute": 4, "second": 16}
